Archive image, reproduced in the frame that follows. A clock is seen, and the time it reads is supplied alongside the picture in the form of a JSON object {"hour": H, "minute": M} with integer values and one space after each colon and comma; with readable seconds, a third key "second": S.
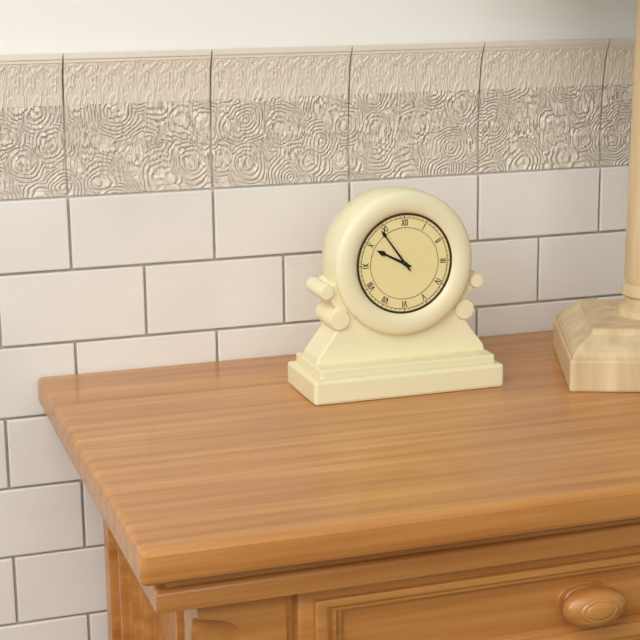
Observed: {"hour": 9, "minute": 54}
